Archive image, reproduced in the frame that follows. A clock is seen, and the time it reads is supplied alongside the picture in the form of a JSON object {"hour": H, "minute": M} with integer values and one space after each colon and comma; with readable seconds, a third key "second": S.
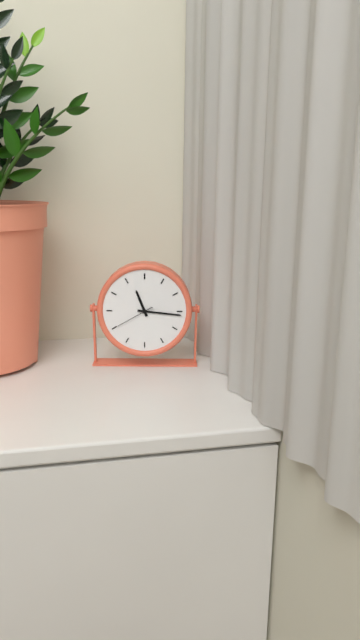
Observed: {"hour": 11, "minute": 16}
